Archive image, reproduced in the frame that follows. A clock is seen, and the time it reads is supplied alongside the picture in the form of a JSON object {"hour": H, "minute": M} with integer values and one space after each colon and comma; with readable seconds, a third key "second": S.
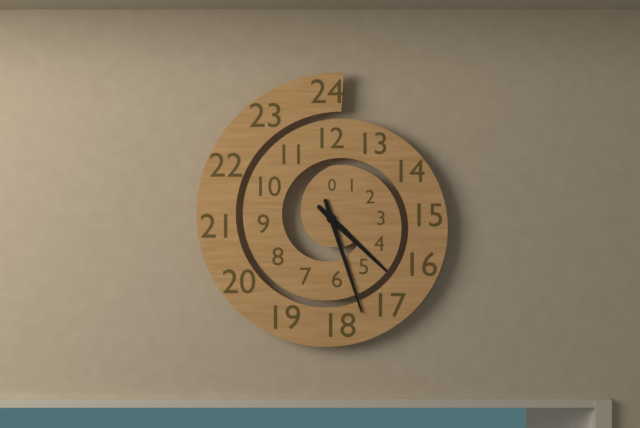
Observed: {"hour": 4, "minute": 27}
